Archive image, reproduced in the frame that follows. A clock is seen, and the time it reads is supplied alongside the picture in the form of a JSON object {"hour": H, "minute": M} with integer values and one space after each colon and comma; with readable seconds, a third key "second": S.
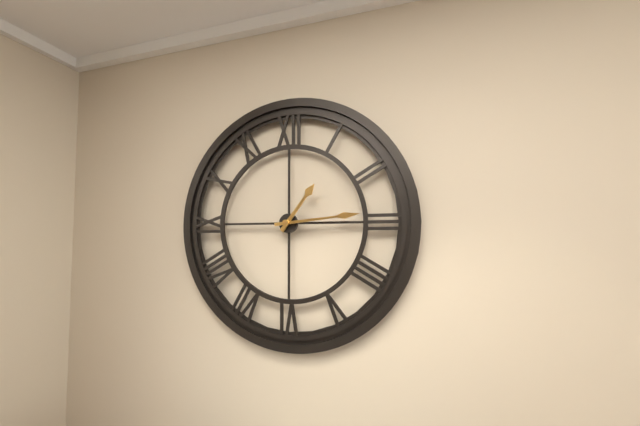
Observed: {"hour": 1, "minute": 14}
